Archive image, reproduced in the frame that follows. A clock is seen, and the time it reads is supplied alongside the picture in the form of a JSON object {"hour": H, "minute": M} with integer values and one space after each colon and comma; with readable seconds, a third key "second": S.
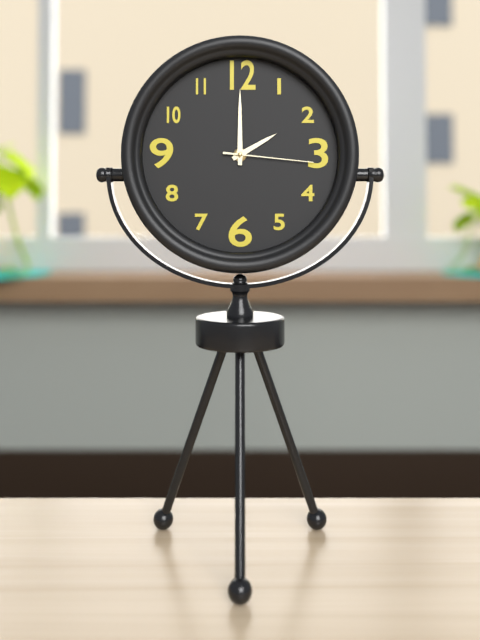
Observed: {"hour": 2, "minute": 0, "second": 16}
